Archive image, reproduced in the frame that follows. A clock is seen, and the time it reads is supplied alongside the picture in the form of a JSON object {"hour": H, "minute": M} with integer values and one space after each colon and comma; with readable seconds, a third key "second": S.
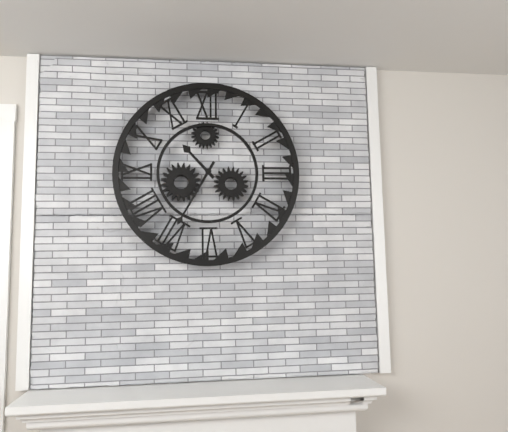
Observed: {"hour": 10, "minute": 35}
